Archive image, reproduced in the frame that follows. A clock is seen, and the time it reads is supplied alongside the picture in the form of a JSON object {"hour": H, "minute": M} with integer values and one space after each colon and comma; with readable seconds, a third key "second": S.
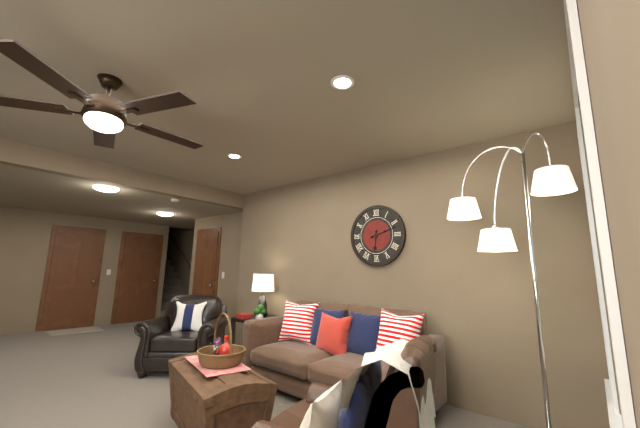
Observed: {"hour": 6, "minute": 12}
